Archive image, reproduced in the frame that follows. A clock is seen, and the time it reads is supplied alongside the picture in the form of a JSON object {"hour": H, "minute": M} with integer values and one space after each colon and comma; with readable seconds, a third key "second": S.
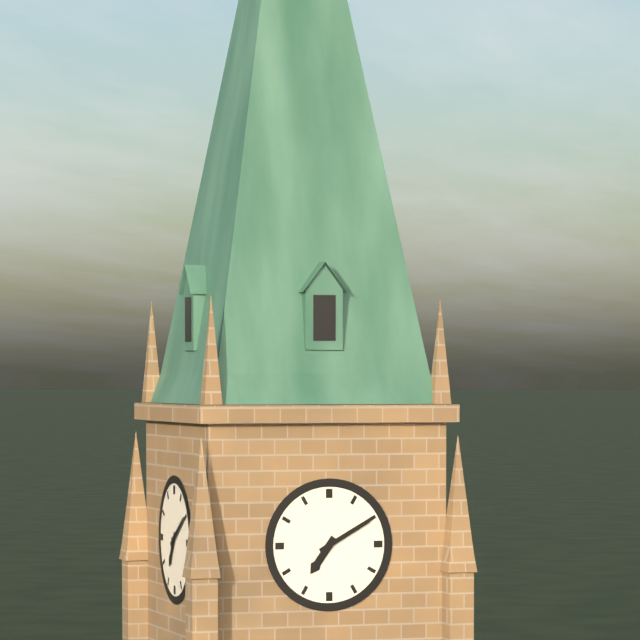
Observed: {"hour": 7, "minute": 10}
